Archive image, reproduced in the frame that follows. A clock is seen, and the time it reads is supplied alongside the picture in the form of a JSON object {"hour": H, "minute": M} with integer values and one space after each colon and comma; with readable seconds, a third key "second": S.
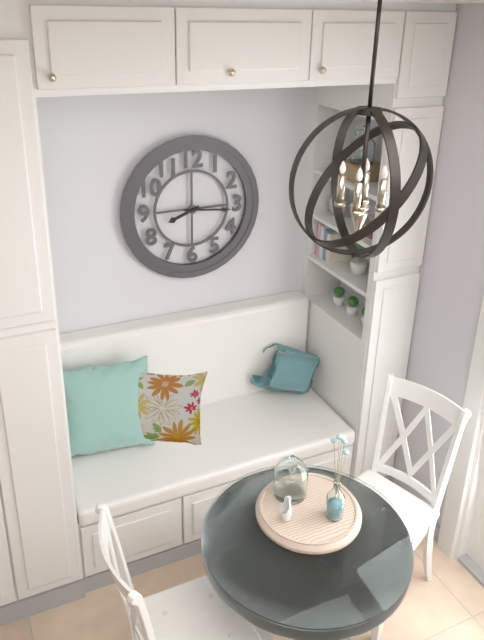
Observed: {"hour": 8, "minute": 16}
